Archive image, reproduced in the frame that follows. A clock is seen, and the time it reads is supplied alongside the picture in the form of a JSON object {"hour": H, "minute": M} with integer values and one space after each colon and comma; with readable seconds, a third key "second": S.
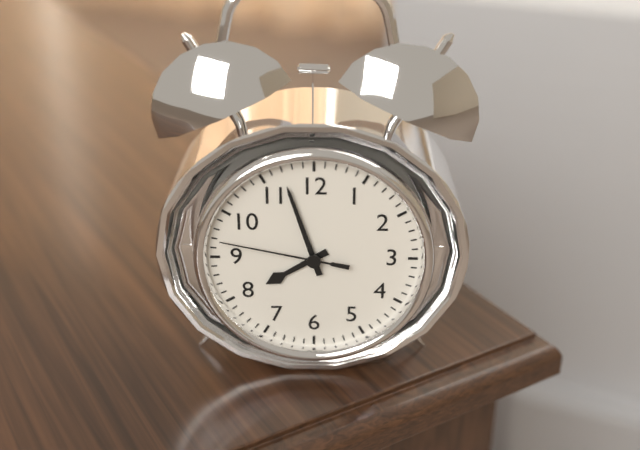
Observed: {"hour": 7, "minute": 57, "second": 47}
